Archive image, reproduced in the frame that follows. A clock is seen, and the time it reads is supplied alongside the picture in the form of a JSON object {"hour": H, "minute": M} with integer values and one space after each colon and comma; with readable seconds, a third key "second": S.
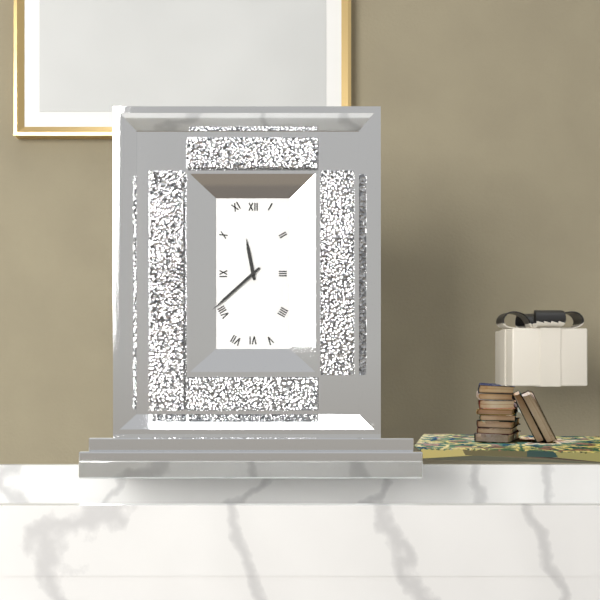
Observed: {"hour": 11, "minute": 38}
